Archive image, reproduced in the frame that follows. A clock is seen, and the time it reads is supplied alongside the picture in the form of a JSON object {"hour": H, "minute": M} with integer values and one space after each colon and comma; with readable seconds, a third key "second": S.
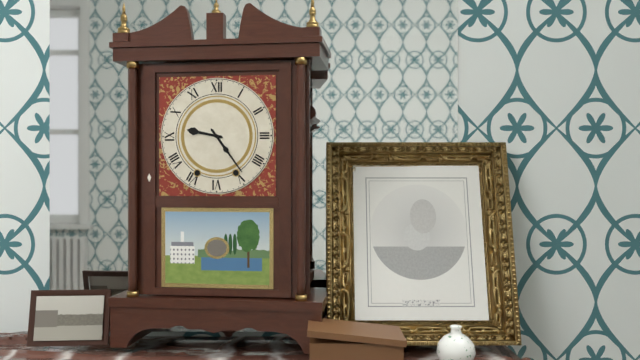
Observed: {"hour": 9, "minute": 24}
